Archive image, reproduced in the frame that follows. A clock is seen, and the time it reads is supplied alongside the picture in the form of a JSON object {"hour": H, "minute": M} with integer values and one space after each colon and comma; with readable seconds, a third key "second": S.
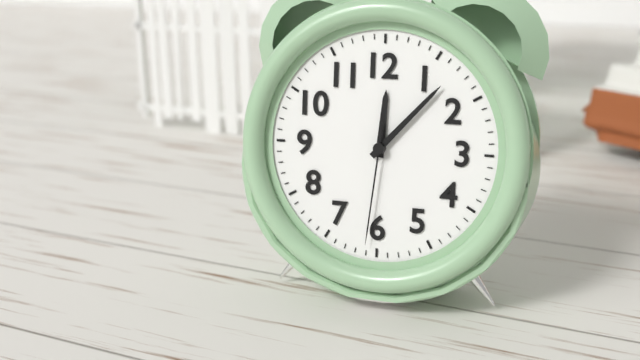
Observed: {"hour": 12, "minute": 7, "second": 31}
